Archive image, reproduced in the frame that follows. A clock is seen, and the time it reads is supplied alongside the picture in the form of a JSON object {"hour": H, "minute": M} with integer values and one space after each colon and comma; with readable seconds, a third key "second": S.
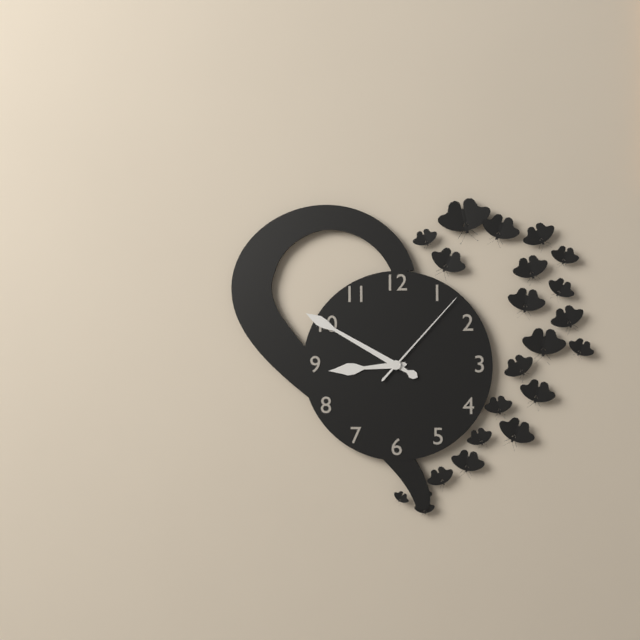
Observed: {"hour": 8, "minute": 50, "second": 7}
